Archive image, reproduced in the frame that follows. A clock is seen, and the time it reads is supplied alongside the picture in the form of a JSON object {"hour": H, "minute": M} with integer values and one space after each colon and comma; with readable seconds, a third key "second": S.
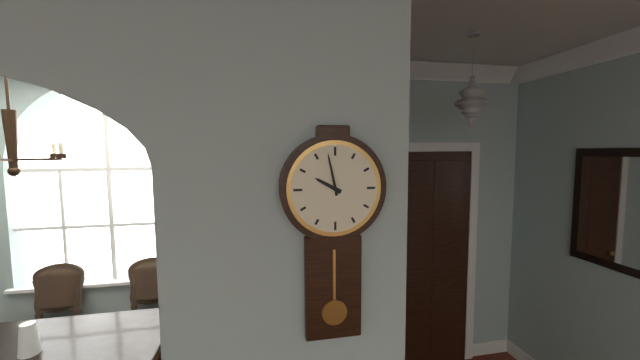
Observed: {"hour": 9, "minute": 58}
